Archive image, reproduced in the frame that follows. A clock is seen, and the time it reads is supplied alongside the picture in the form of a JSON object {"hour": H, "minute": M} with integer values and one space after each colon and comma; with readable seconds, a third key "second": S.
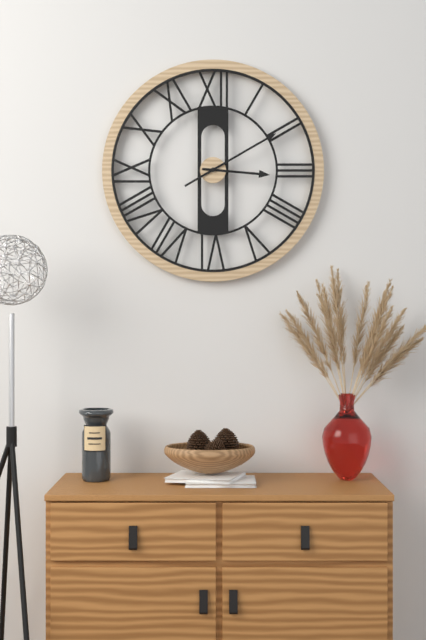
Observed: {"hour": 3, "minute": 10}
